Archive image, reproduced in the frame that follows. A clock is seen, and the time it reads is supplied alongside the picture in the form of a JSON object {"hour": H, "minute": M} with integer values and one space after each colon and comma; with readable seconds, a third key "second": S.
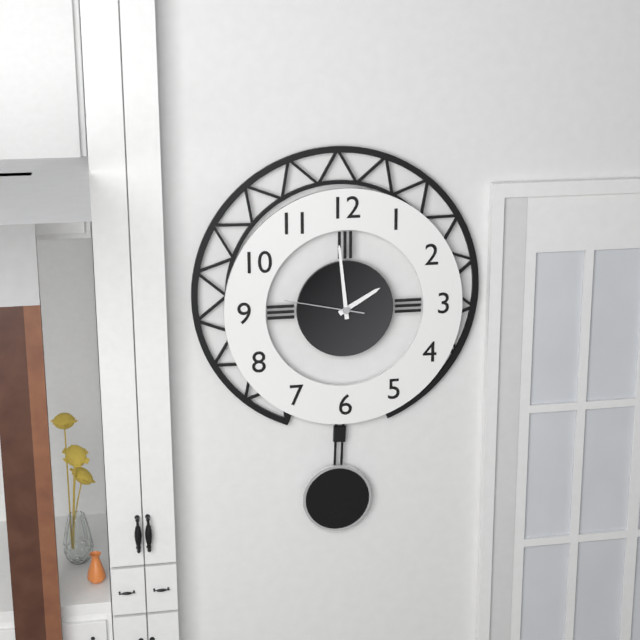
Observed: {"hour": 1, "minute": 59, "second": 47}
